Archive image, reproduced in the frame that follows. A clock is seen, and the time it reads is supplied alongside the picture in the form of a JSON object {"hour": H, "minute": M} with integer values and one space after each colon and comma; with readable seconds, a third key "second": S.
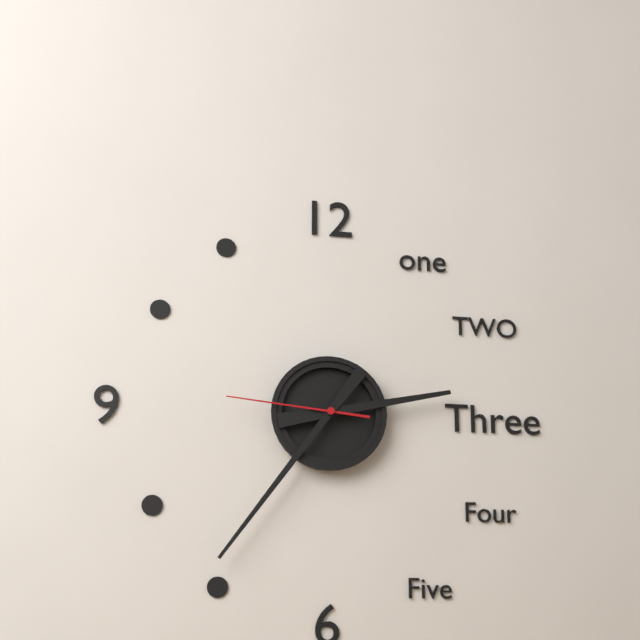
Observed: {"hour": 2, "minute": 36, "second": 46}
